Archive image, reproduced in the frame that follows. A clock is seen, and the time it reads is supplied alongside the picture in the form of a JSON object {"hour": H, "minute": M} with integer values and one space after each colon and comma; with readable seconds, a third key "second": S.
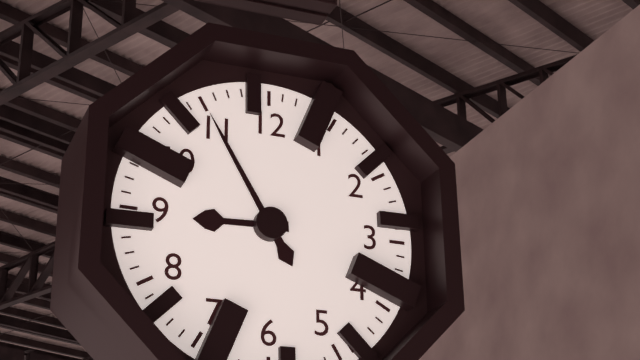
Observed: {"hour": 8, "minute": 55}
